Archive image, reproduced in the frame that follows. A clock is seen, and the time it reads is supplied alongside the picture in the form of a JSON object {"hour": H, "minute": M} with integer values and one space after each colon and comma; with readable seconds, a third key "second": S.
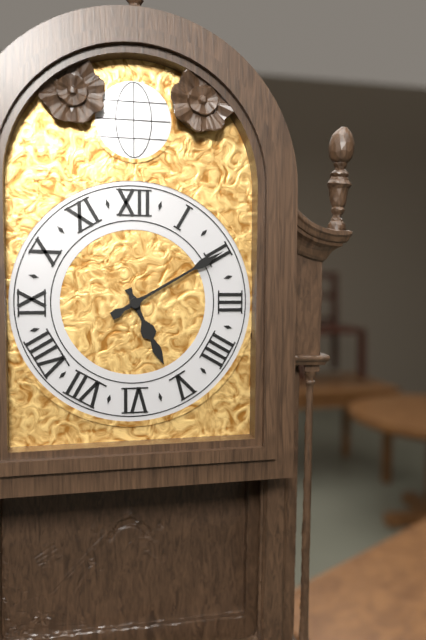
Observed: {"hour": 5, "minute": 10}
